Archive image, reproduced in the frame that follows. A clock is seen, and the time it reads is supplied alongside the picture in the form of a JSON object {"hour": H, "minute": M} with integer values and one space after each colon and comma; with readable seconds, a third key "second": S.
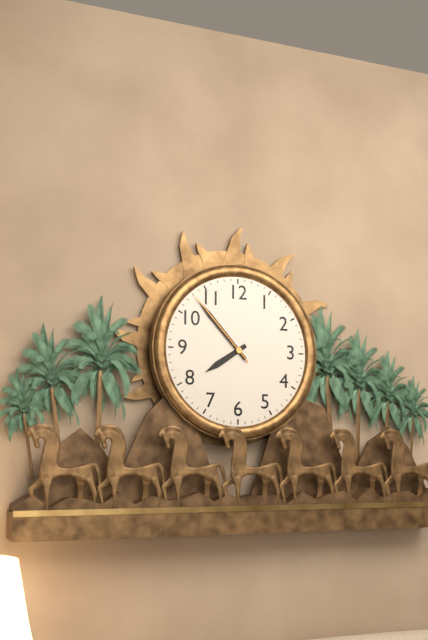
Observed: {"hour": 7, "minute": 53, "second": 53}
